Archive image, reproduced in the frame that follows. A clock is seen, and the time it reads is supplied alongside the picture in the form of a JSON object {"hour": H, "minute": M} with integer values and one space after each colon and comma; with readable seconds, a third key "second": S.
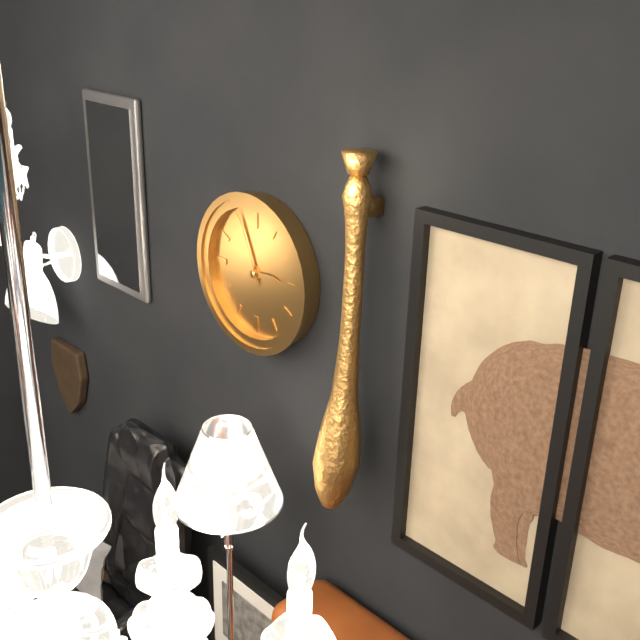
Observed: {"hour": 2, "minute": 56}
